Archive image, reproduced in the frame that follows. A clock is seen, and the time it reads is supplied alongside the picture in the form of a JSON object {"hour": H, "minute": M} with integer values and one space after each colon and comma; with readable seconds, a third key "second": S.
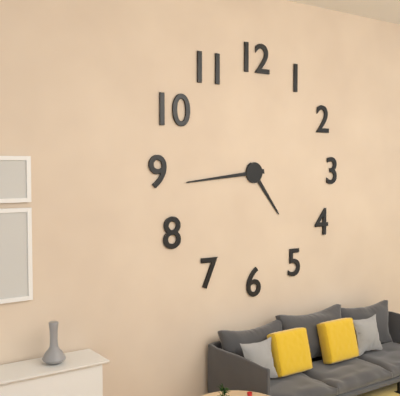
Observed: {"hour": 4, "minute": 44}
